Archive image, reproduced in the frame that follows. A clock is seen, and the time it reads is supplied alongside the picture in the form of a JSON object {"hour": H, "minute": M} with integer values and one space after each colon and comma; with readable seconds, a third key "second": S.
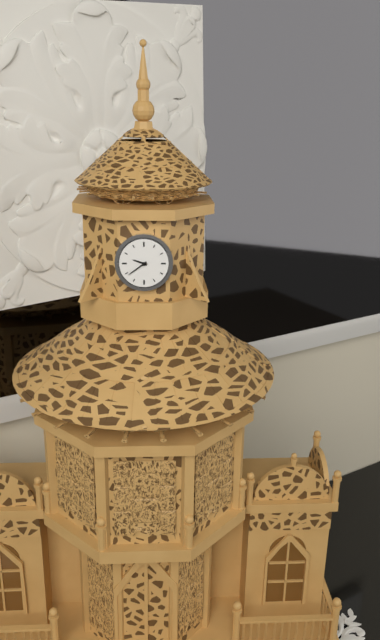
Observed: {"hour": 9, "minute": 39}
